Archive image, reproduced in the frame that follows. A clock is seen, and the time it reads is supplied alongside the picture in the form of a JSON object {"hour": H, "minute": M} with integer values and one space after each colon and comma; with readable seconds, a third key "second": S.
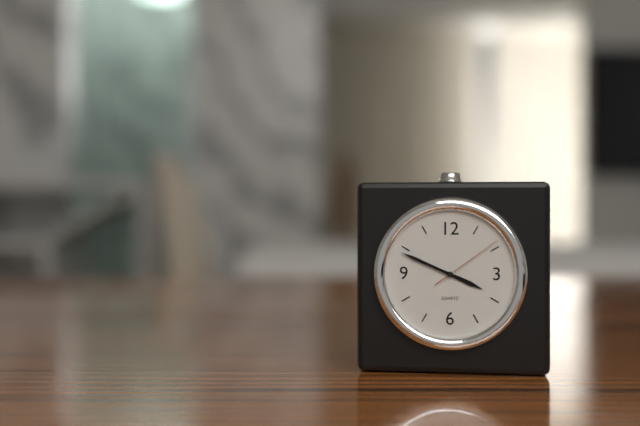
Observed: {"hour": 3, "minute": 49, "second": 9}
